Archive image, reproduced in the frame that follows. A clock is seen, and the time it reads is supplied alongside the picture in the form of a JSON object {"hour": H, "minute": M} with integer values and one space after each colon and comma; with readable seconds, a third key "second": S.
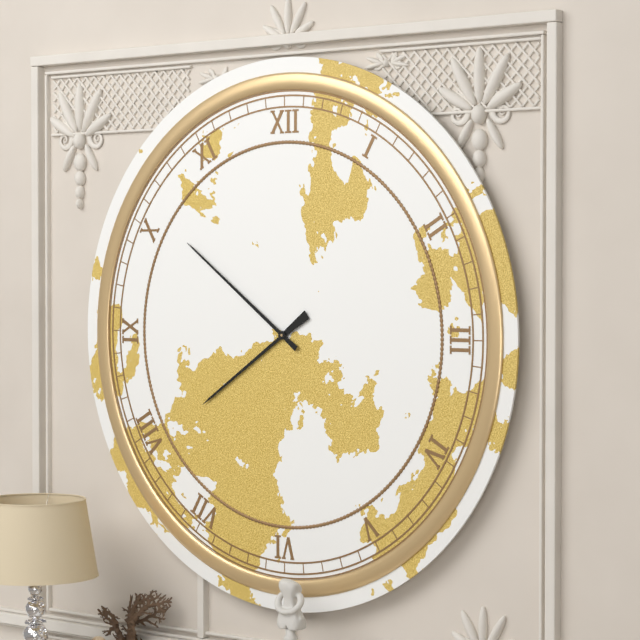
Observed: {"hour": 7, "minute": 51}
